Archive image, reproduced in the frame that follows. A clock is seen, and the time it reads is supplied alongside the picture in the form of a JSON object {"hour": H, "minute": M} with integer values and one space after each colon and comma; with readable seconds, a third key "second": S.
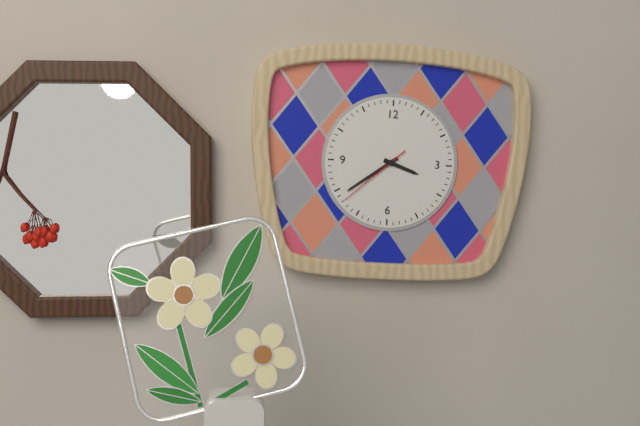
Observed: {"hour": 3, "minute": 39, "second": 38}
